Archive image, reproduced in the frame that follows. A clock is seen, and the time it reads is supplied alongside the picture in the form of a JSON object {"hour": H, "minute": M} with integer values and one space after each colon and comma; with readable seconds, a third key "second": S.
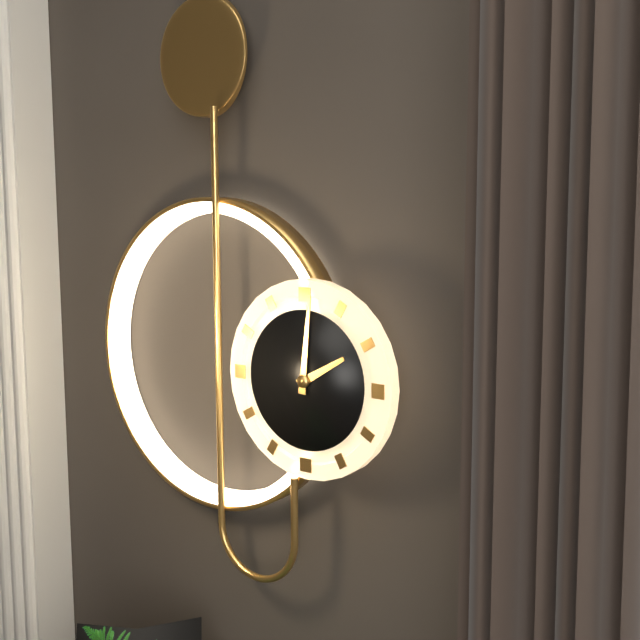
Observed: {"hour": 2, "minute": 1}
